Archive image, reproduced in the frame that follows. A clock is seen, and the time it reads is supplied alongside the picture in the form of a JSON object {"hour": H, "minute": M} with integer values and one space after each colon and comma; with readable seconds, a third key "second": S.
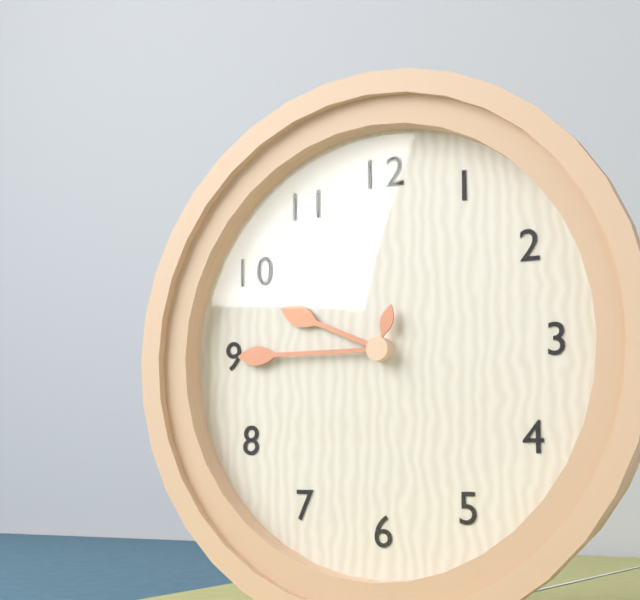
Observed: {"hour": 9, "minute": 45, "second": 3}
